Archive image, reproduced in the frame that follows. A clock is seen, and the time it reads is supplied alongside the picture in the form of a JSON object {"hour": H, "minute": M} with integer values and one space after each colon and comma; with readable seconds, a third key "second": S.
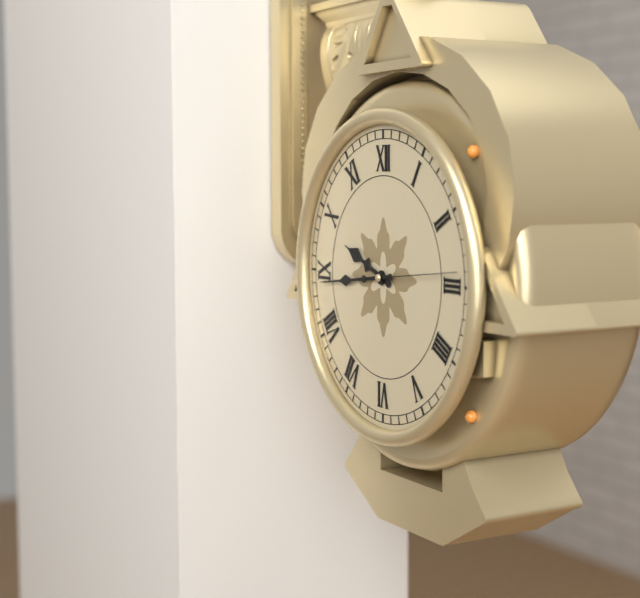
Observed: {"hour": 9, "minute": 44, "second": 14}
